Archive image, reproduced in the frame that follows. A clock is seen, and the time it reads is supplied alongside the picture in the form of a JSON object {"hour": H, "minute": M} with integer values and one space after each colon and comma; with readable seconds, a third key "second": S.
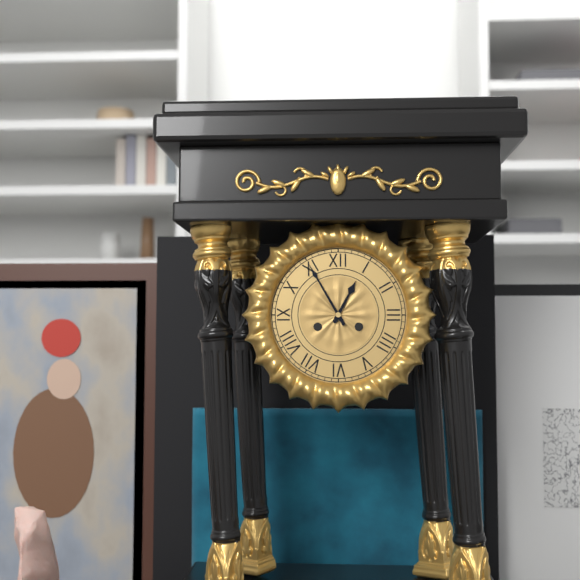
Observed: {"hour": 12, "minute": 55}
